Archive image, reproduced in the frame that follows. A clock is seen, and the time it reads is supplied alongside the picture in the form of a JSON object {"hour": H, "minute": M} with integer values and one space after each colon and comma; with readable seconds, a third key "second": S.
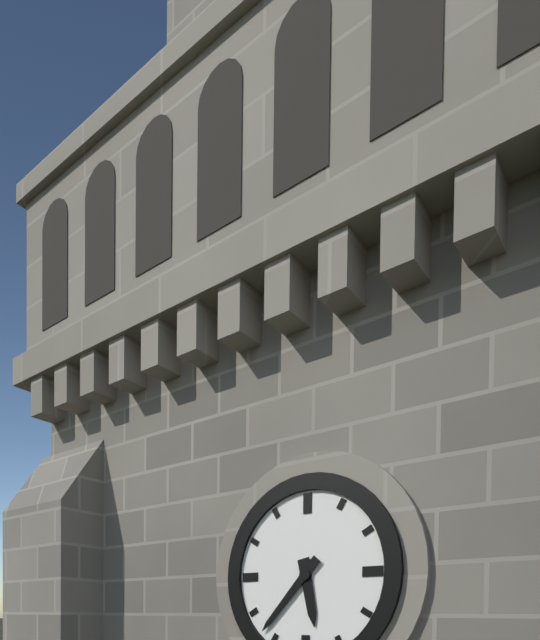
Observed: {"hour": 5, "minute": 37}
